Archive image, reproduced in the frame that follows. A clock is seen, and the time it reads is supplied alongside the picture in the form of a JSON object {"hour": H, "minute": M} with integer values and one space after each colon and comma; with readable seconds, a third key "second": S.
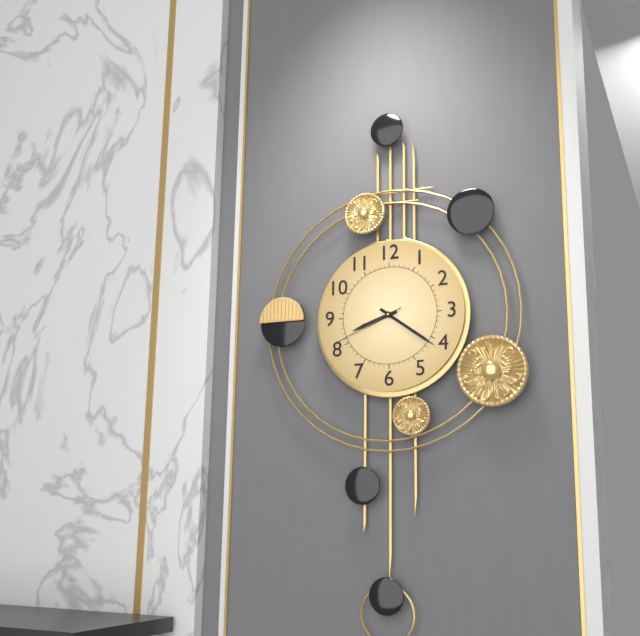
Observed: {"hour": 8, "minute": 21, "second": 41}
